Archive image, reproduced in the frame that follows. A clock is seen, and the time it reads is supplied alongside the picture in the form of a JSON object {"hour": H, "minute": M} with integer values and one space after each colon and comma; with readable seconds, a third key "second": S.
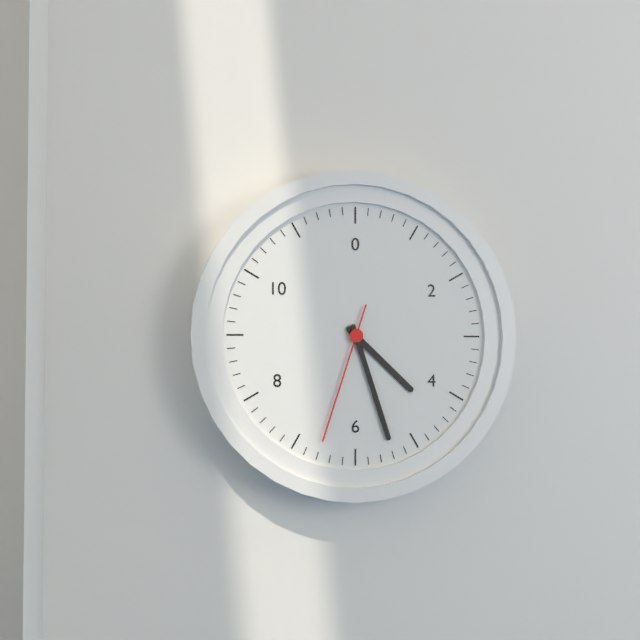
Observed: {"hour": 4, "minute": 27, "second": 33}
